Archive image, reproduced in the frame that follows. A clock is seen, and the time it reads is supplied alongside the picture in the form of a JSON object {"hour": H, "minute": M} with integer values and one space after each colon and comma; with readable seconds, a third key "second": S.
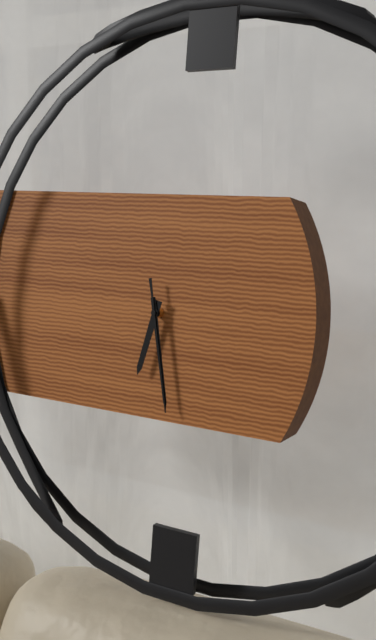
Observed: {"hour": 6, "minute": 28, "second": 28}
